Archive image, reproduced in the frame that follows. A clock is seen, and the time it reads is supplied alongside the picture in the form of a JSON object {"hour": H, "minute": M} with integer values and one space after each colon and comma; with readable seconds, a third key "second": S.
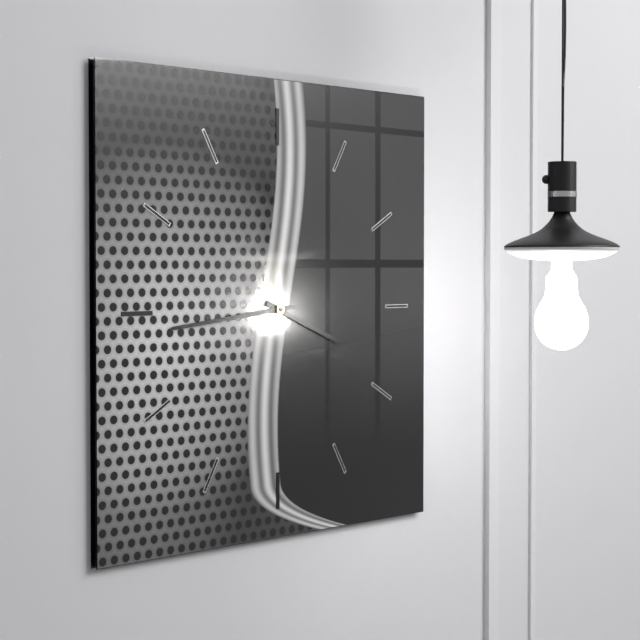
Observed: {"hour": 3, "minute": 44}
